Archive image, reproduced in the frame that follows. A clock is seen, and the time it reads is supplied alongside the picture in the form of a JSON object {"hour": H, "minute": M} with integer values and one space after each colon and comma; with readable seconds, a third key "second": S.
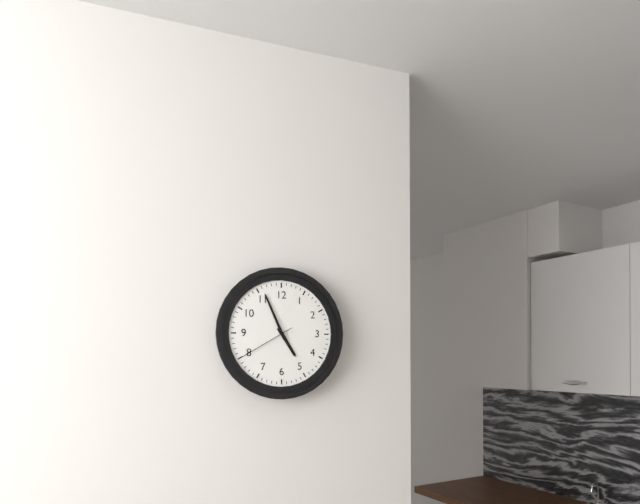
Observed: {"hour": 4, "minute": 56, "second": 40}
